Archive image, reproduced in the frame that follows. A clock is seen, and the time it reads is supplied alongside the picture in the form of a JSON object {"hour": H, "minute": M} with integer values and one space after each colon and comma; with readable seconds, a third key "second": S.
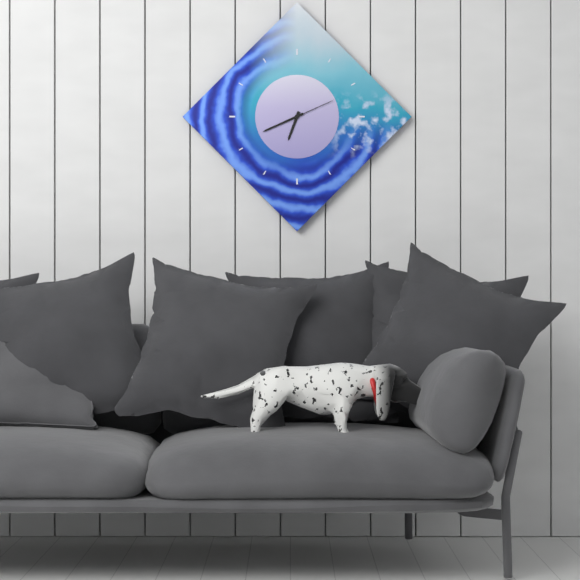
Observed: {"hour": 6, "minute": 41, "second": 11}
